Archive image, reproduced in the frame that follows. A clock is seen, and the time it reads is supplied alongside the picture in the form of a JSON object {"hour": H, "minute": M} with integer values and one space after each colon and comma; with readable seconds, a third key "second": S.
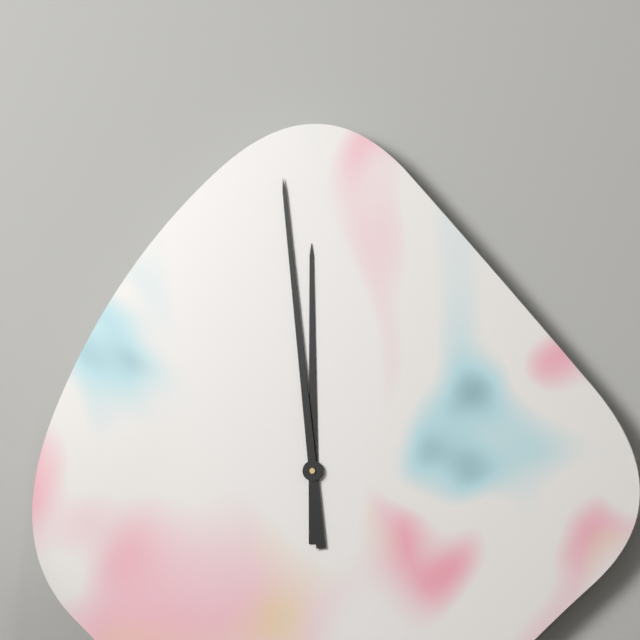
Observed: {"hour": 11, "minute": 59}
